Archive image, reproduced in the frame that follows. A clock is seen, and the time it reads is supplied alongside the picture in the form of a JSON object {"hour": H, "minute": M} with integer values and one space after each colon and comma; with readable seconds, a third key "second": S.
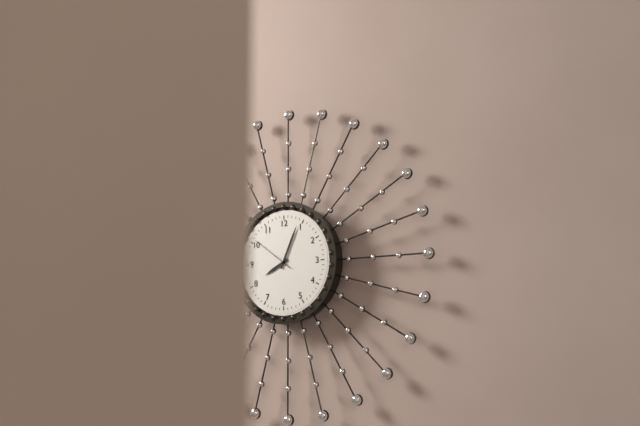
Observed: {"hour": 8, "minute": 4}
